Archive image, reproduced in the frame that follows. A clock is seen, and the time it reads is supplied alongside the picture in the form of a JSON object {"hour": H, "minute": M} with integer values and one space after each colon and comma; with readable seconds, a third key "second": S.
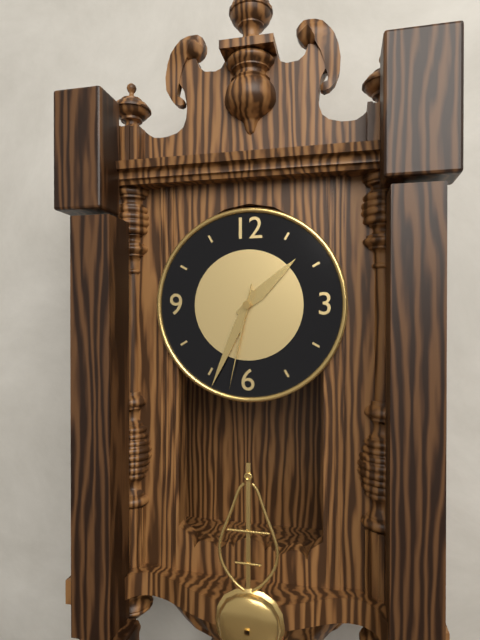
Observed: {"hour": 1, "minute": 34, "second": 32}
